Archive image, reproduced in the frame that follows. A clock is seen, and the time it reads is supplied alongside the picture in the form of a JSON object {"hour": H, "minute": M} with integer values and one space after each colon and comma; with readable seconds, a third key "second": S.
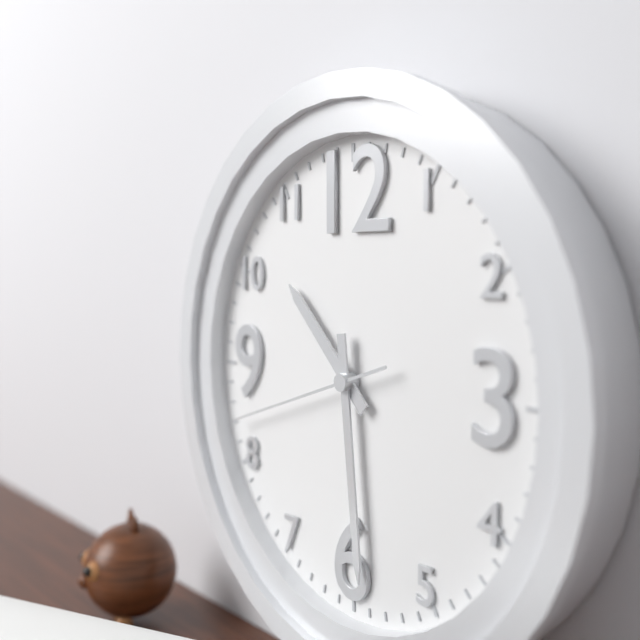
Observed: {"hour": 10, "minute": 29, "second": 42}
